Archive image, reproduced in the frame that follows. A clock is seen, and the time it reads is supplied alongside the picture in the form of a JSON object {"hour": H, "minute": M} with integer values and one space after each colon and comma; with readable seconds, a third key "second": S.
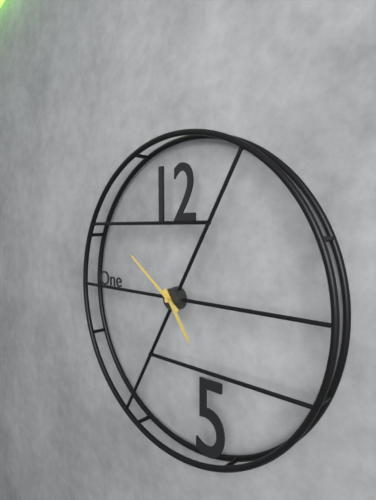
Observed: {"hour": 4, "minute": 51}
